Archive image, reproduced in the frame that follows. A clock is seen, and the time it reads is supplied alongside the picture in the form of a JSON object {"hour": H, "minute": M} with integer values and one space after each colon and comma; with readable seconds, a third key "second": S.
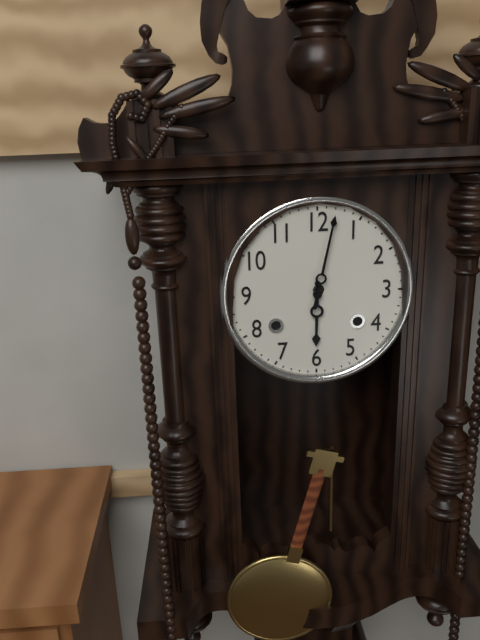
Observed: {"hour": 6, "minute": 2}
